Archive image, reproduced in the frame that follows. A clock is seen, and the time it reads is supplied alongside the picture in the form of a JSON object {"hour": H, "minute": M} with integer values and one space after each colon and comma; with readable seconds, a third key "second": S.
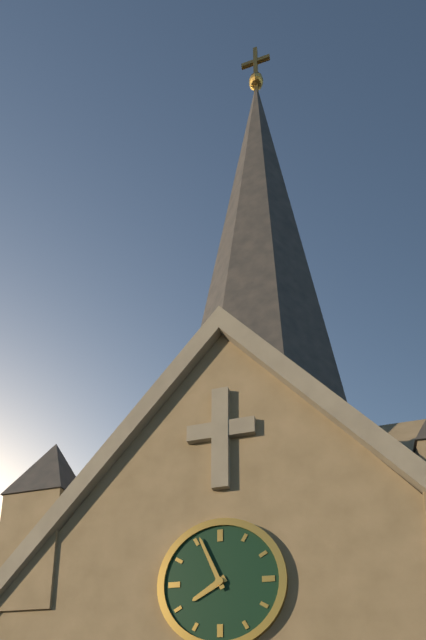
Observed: {"hour": 7, "minute": 56}
